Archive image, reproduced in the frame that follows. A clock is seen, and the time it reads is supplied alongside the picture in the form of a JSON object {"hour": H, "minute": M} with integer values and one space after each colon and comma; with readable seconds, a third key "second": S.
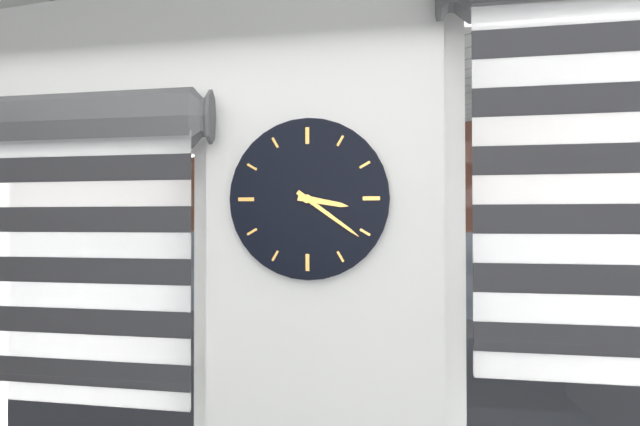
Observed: {"hour": 3, "minute": 21}
